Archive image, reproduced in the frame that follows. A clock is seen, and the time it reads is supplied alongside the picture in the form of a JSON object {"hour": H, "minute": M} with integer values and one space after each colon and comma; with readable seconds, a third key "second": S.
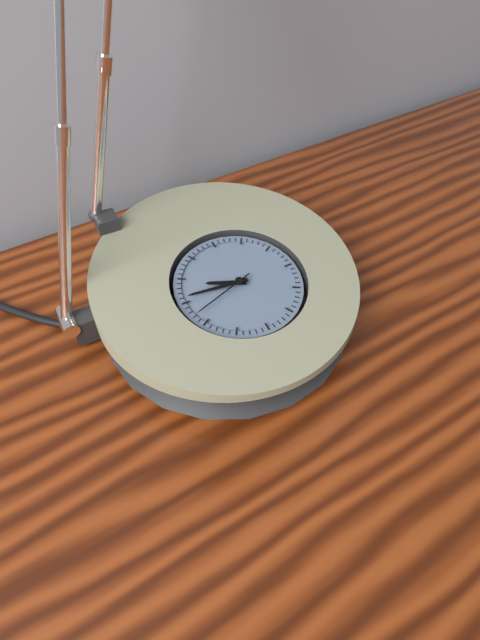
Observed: {"hour": 9, "minute": 46, "second": 42}
